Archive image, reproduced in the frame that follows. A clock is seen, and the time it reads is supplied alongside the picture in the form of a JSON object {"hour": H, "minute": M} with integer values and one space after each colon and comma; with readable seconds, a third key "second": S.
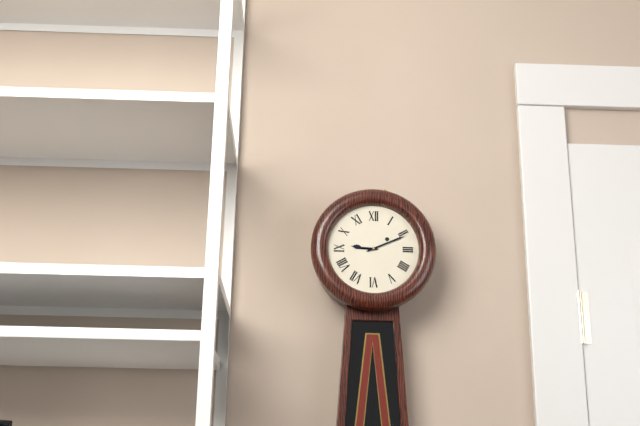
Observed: {"hour": 9, "minute": 11}
